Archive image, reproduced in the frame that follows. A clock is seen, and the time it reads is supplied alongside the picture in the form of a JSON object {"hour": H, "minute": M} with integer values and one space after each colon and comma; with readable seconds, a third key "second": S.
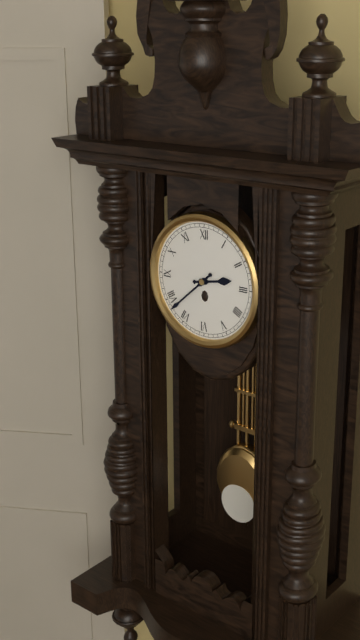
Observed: {"hour": 2, "minute": 38}
